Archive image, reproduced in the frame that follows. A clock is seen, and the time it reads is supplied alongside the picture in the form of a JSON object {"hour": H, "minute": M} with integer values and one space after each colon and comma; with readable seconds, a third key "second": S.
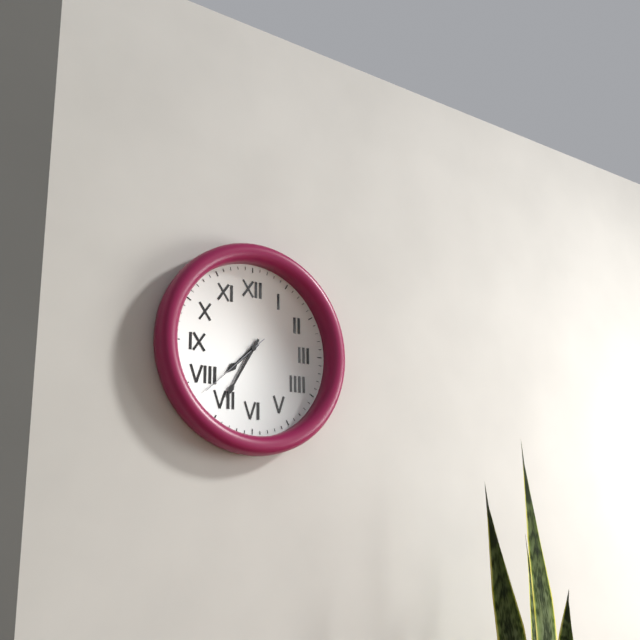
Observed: {"hour": 7, "minute": 35, "second": 38}
